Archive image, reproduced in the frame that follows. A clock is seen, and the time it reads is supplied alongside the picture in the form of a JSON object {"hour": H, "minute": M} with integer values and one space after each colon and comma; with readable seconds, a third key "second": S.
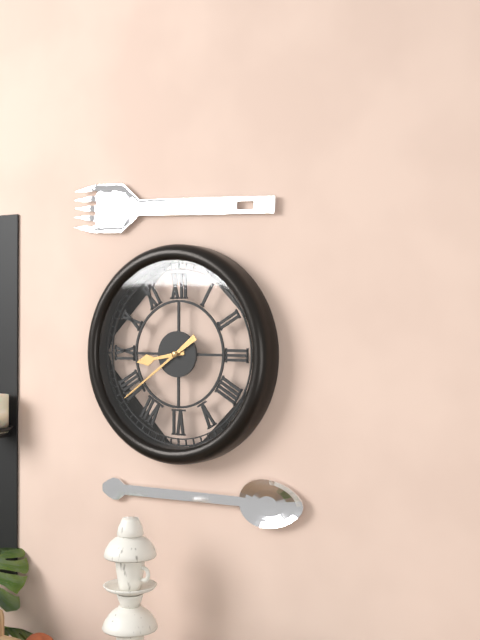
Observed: {"hour": 8, "minute": 39}
